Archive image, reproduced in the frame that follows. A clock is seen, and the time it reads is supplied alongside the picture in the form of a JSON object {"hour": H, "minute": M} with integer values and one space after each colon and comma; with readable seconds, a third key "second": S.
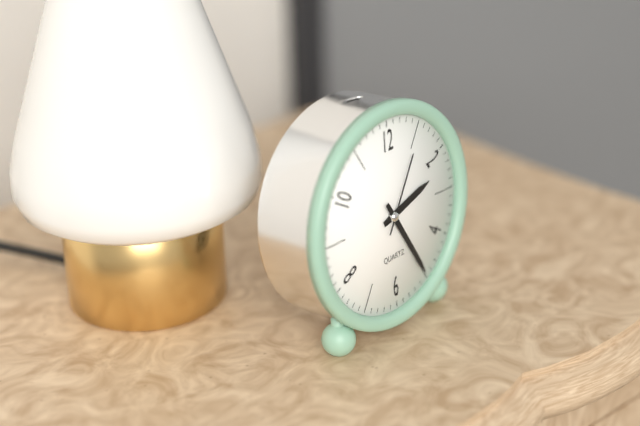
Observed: {"hour": 2, "minute": 25, "second": 5}
